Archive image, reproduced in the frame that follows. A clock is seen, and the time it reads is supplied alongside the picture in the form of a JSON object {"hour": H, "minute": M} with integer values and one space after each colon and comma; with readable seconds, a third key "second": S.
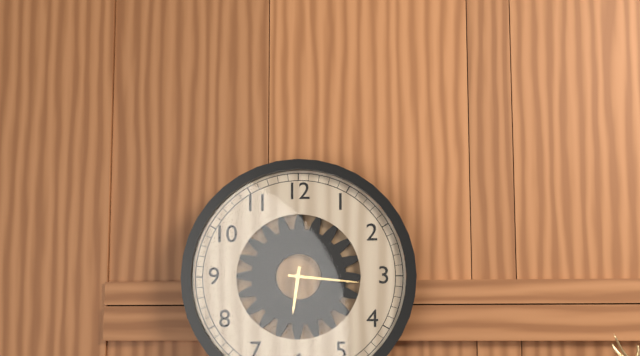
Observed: {"hour": 6, "minute": 16}
